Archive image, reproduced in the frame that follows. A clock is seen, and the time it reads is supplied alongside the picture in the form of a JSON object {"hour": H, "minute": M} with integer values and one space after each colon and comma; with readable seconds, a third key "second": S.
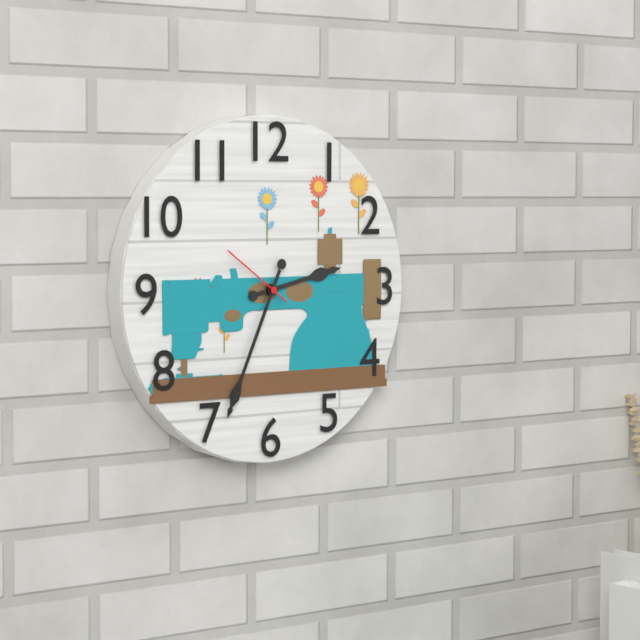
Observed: {"hour": 2, "minute": 34, "second": 51}
